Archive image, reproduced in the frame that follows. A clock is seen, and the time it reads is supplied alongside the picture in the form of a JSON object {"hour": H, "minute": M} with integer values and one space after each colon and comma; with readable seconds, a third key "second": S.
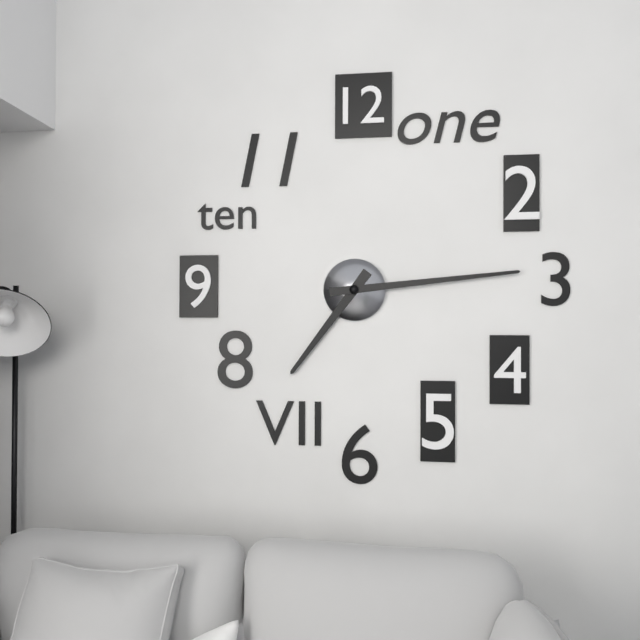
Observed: {"hour": 7, "minute": 14}
